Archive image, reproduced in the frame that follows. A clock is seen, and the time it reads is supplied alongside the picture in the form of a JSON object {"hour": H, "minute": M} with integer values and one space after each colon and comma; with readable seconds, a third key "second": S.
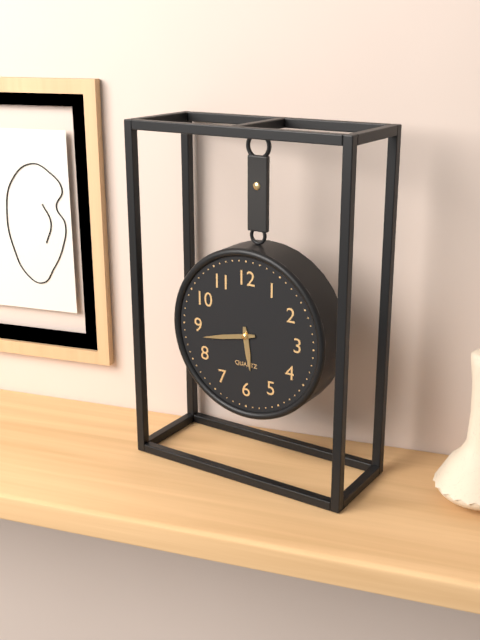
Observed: {"hour": 5, "minute": 43}
